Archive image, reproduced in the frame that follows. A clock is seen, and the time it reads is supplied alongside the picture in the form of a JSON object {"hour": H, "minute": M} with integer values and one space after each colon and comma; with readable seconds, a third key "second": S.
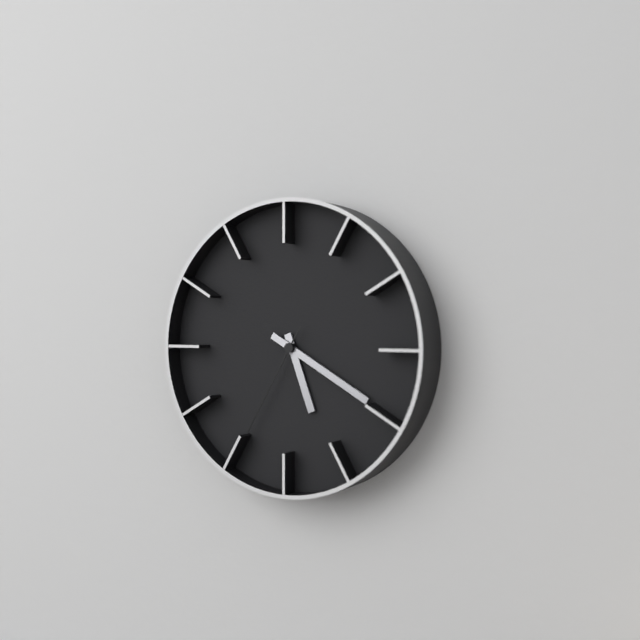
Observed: {"hour": 5, "minute": 20, "second": 35}
